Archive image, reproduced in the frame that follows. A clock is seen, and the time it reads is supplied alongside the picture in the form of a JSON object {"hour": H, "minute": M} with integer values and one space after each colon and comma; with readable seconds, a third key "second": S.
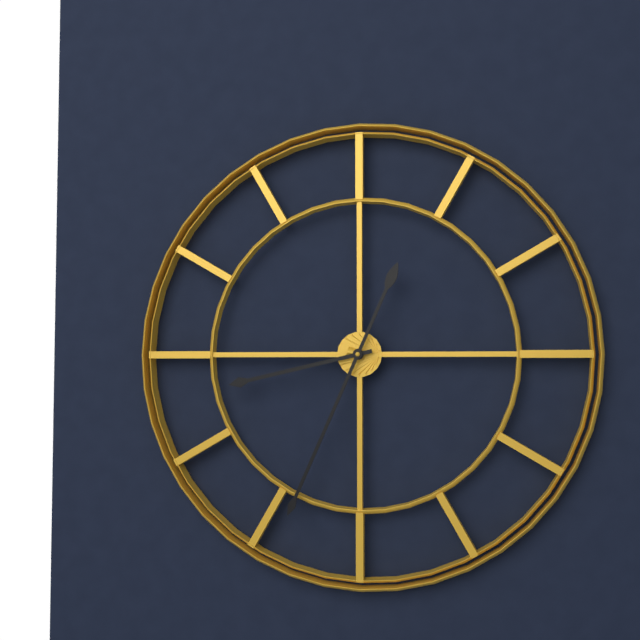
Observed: {"hour": 8, "minute": 34}
